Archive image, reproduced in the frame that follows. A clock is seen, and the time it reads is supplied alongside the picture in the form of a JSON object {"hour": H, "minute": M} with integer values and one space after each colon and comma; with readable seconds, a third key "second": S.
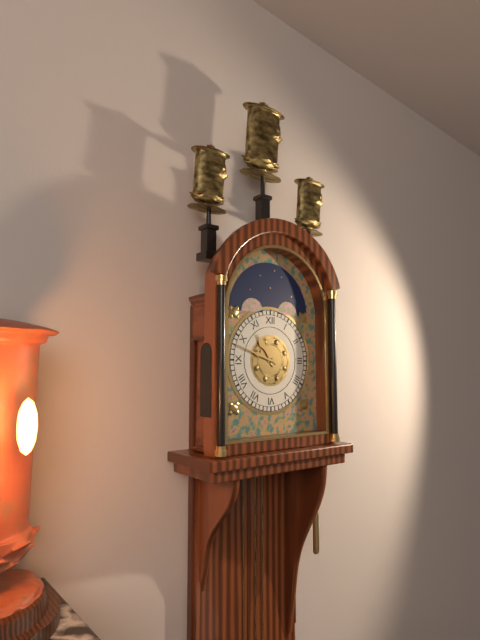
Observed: {"hour": 10, "minute": 48}
